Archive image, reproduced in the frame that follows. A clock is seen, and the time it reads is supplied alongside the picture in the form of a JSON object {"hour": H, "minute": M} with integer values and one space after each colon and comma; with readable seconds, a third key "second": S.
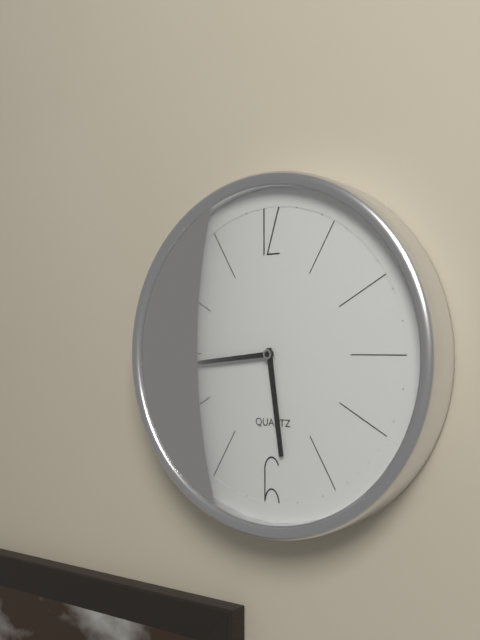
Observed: {"hour": 5, "minute": 44}
